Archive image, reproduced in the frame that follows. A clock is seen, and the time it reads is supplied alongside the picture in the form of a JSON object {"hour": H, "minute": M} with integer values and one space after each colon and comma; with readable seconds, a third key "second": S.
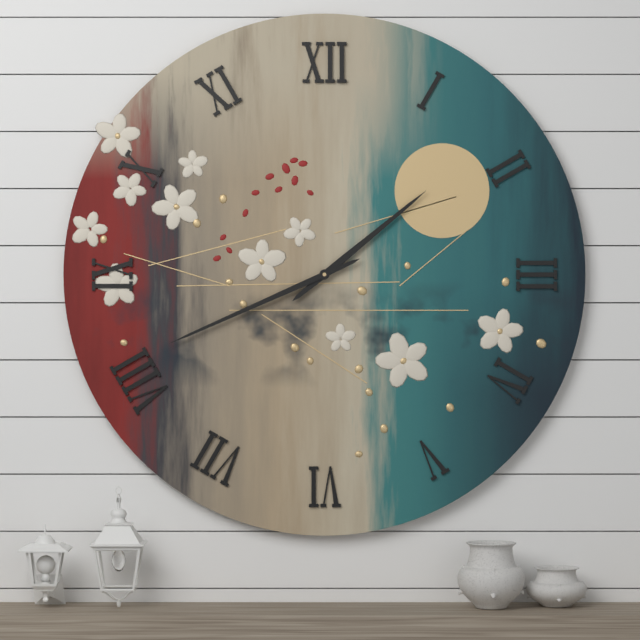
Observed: {"hour": 1, "minute": 41}
